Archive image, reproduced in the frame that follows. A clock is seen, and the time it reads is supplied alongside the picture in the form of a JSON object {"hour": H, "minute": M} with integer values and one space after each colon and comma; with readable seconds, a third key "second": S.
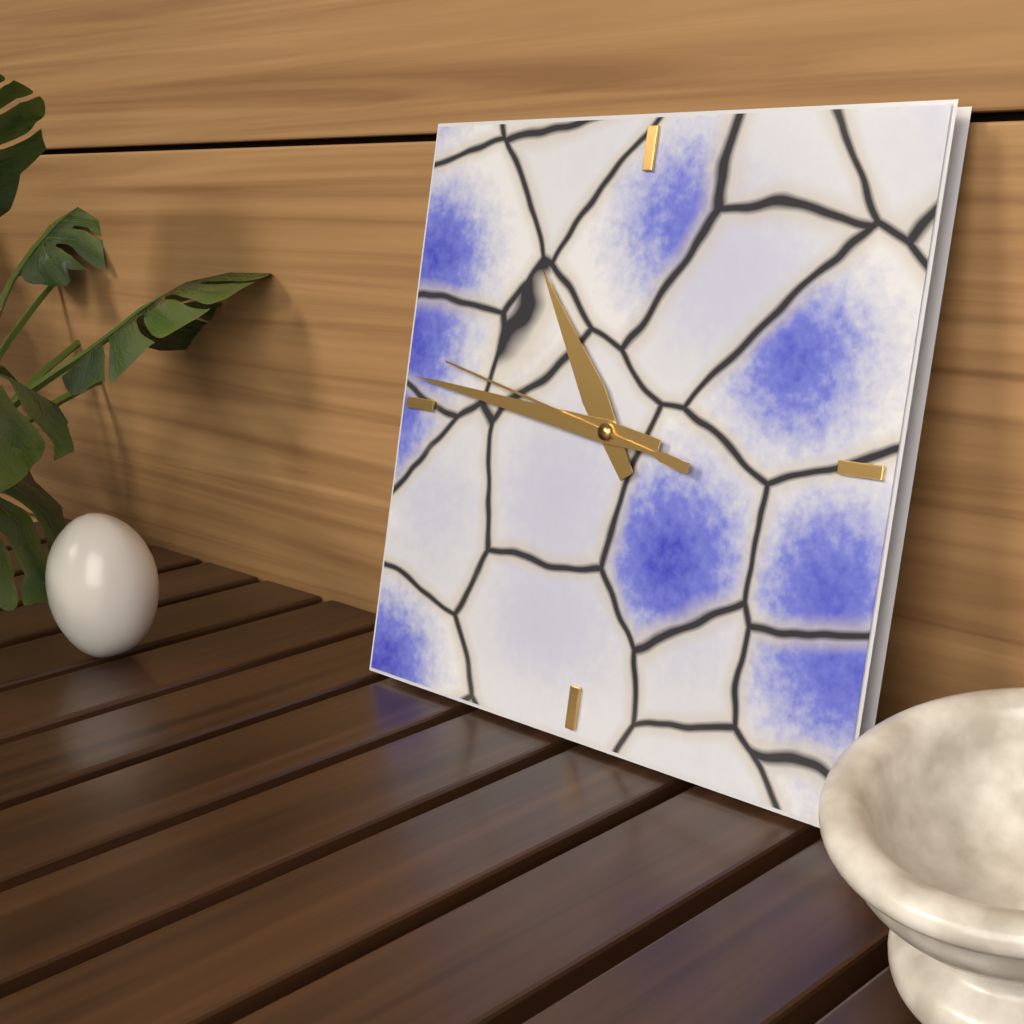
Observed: {"hour": 10, "minute": 46, "second": 47}
